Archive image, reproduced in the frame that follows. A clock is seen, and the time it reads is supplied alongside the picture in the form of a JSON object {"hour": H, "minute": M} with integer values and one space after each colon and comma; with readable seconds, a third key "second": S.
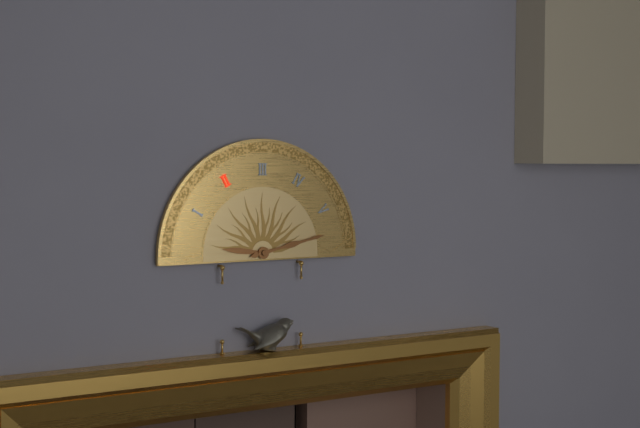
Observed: {"hour": 9, "minute": 13}
